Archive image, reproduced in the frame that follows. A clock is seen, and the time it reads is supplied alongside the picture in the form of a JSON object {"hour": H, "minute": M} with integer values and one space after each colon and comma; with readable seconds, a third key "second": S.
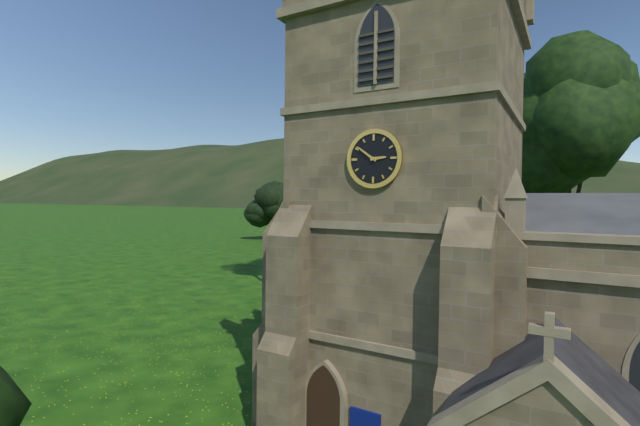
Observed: {"hour": 2, "minute": 51}
